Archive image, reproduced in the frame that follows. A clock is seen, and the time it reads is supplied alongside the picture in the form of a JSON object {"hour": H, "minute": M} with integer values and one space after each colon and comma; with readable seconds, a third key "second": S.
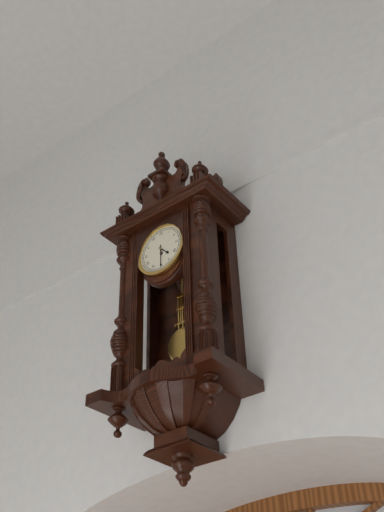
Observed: {"hour": 4, "minute": 30}
